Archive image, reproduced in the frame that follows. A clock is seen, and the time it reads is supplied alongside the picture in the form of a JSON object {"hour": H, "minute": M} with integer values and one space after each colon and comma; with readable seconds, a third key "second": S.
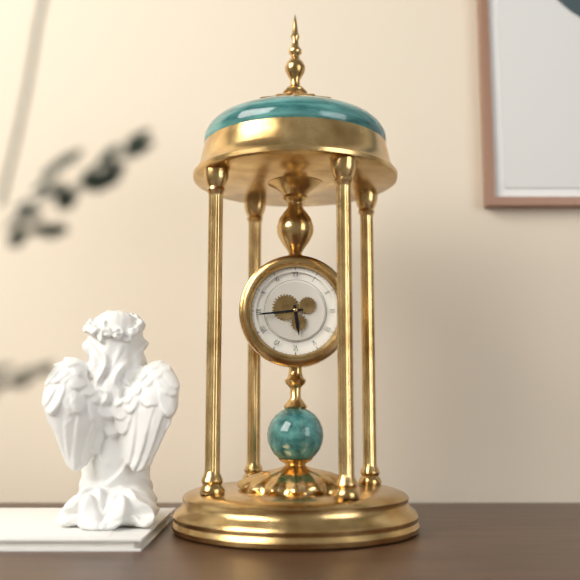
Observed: {"hour": 5, "minute": 44}
